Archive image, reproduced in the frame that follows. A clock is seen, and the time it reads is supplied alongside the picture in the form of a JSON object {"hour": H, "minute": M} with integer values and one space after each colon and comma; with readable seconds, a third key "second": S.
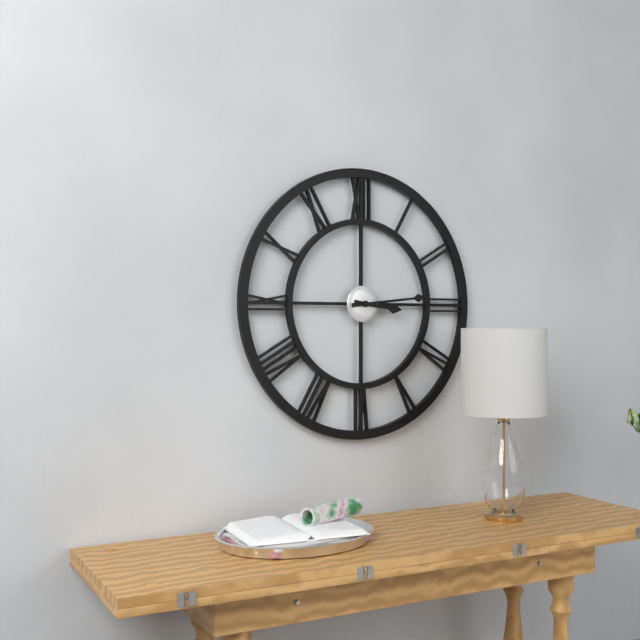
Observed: {"hour": 3, "minute": 14}
